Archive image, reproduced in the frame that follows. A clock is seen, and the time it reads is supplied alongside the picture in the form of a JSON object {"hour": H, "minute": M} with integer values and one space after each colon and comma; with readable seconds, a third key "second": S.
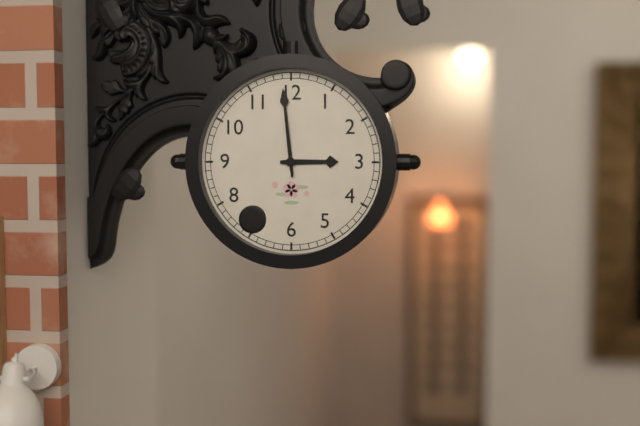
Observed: {"hour": 2, "minute": 59}
